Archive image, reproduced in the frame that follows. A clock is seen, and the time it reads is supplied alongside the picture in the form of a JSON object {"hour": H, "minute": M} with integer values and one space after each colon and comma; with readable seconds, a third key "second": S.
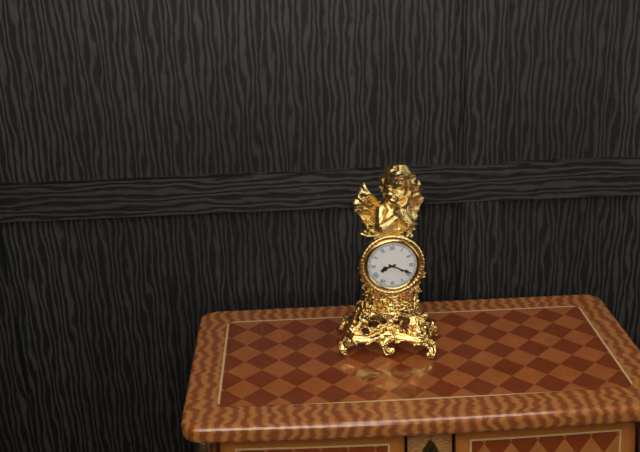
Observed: {"hour": 8, "minute": 19}
